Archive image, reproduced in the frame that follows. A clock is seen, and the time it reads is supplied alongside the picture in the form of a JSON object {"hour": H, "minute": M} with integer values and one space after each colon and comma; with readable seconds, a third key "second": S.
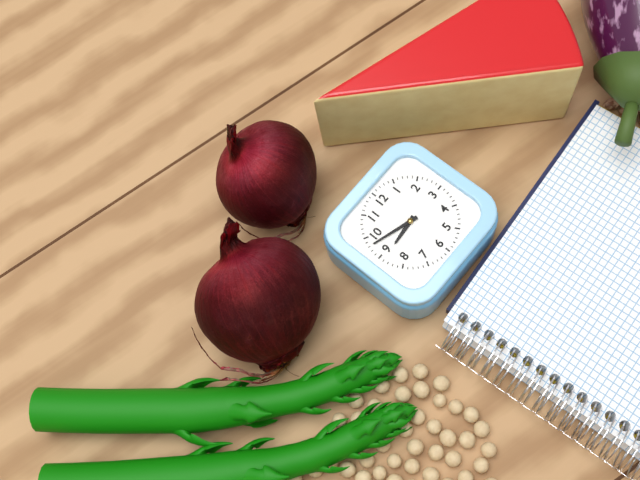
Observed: {"hour": 8, "minute": 48}
